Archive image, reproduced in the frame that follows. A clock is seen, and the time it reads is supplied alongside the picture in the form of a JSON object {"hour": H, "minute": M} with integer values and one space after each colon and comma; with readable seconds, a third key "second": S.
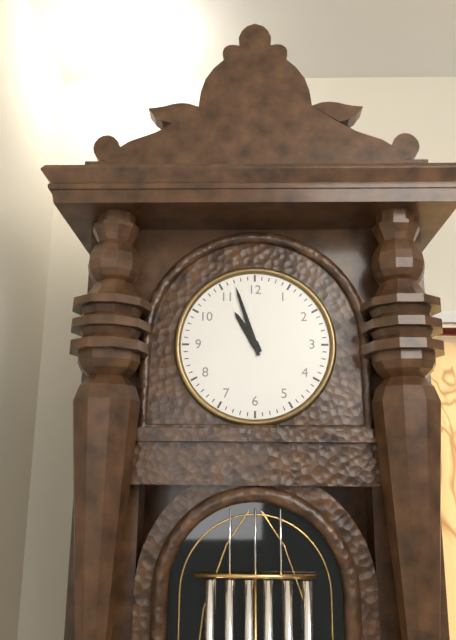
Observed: {"hour": 10, "minute": 57}
